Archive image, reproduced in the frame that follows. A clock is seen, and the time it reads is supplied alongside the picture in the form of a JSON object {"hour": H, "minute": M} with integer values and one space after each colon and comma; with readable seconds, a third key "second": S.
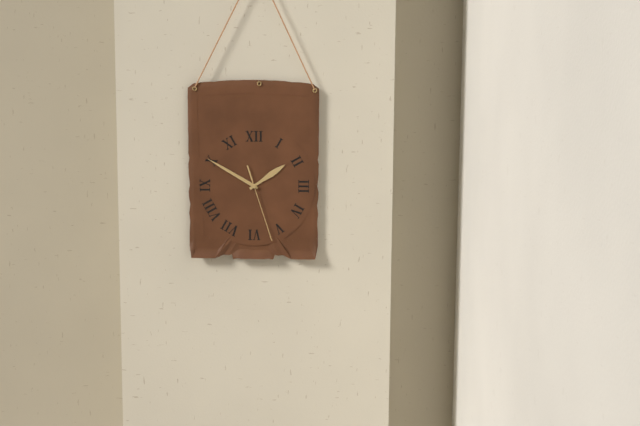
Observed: {"hour": 1, "minute": 50, "second": 27}
